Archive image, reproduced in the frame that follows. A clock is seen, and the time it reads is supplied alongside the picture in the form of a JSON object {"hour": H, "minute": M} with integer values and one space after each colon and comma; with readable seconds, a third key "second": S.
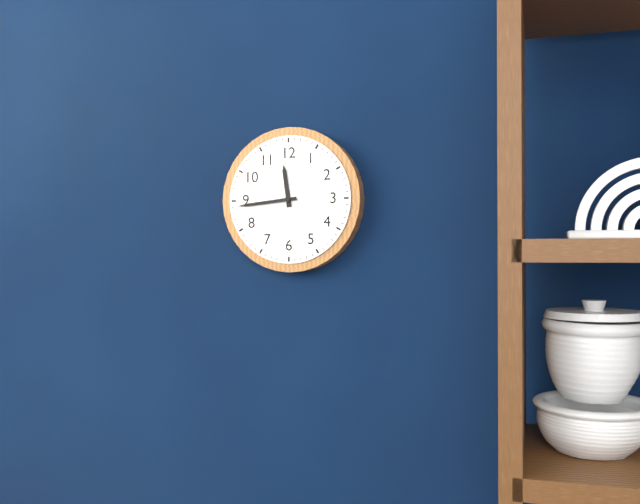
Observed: {"hour": 11, "minute": 44}
